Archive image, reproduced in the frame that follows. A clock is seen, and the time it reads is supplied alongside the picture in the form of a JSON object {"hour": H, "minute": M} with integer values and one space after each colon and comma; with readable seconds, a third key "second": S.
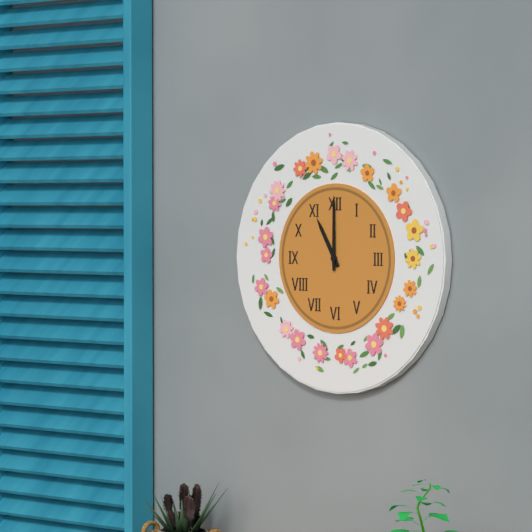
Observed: {"hour": 11, "minute": 0}
